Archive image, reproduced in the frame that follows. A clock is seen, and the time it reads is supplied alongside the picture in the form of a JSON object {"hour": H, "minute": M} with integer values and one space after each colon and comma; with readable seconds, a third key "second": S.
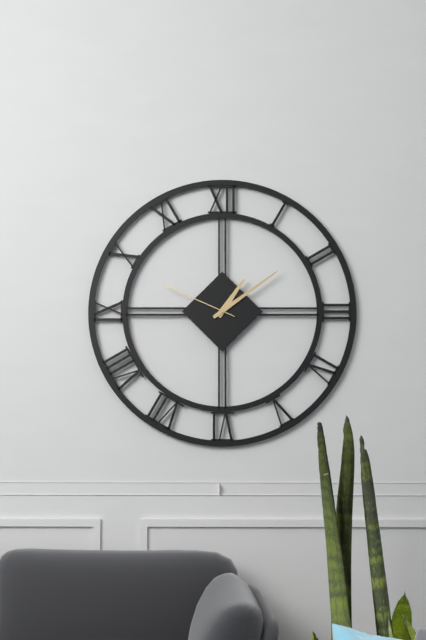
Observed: {"hour": 1, "minute": 9, "second": 49}
